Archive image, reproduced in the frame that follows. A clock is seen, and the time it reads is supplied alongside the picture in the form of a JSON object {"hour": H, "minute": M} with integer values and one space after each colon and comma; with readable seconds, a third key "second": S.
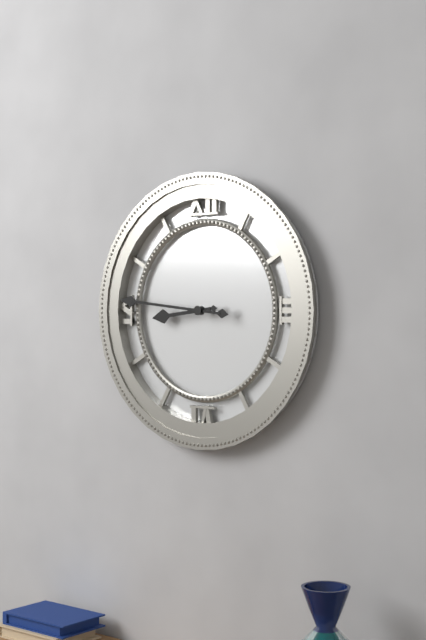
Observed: {"hour": 8, "minute": 46}
